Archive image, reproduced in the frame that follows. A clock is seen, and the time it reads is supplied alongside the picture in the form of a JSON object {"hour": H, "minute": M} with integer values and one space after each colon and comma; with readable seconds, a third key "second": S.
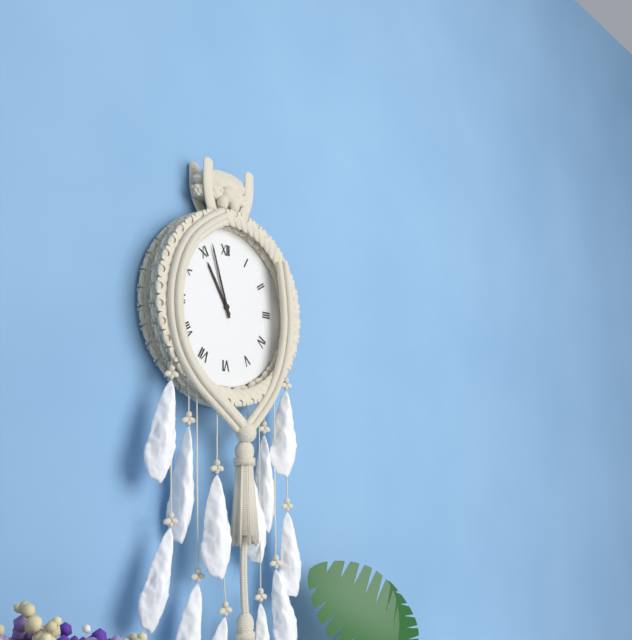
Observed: {"hour": 10, "minute": 57}
